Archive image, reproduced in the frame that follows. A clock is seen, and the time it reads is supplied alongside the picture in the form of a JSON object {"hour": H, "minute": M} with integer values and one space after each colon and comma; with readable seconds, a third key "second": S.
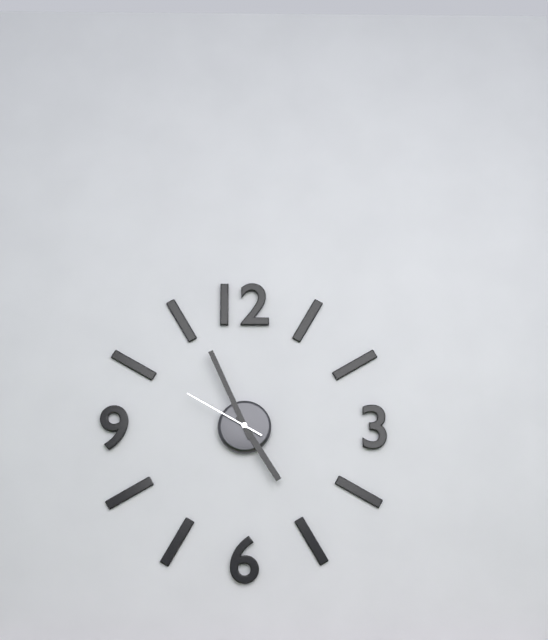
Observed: {"hour": 4, "minute": 56, "second": 50}
